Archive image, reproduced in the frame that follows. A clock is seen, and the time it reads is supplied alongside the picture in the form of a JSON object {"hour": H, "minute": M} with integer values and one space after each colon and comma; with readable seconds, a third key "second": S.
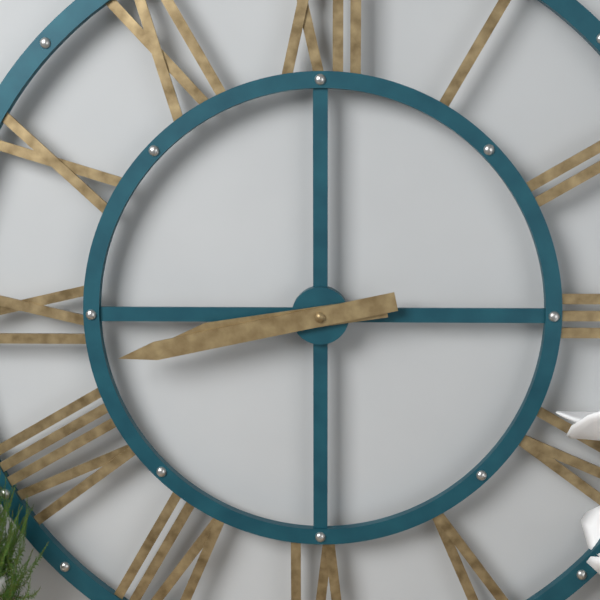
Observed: {"hour": 8, "minute": 43}
